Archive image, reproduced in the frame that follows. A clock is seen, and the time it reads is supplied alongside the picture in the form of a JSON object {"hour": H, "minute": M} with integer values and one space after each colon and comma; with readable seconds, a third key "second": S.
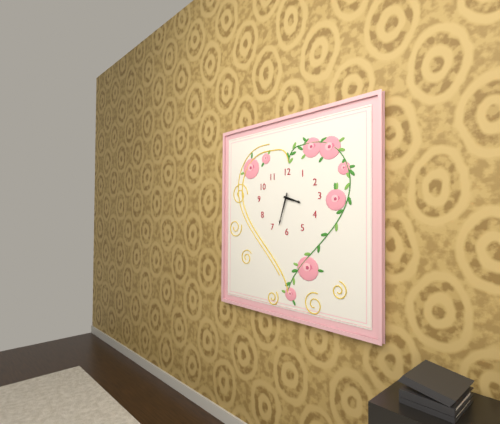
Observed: {"hour": 3, "minute": 33}
